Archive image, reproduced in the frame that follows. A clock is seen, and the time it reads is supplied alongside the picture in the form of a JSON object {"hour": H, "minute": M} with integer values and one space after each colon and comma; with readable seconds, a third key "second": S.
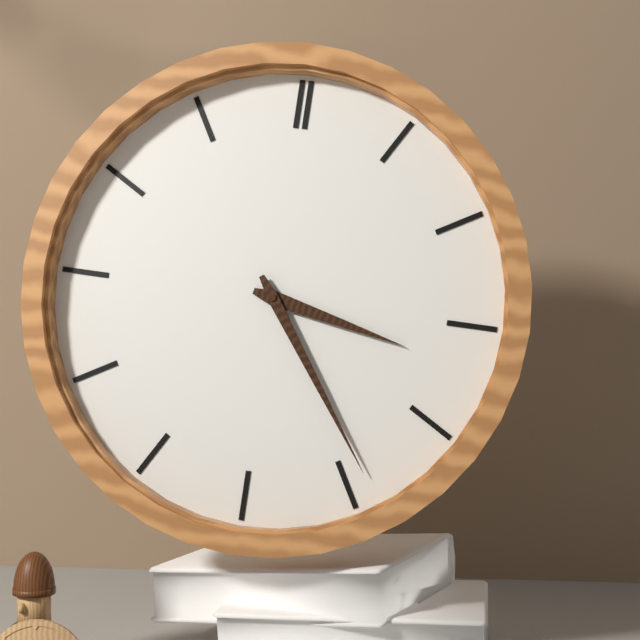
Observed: {"hour": 3, "minute": 24}
